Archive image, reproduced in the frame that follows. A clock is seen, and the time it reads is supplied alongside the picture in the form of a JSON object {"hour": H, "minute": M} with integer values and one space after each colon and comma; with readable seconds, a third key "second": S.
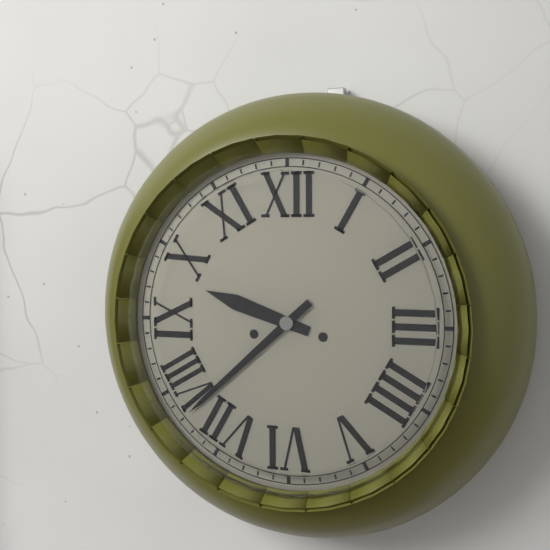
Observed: {"hour": 9, "minute": 38}
